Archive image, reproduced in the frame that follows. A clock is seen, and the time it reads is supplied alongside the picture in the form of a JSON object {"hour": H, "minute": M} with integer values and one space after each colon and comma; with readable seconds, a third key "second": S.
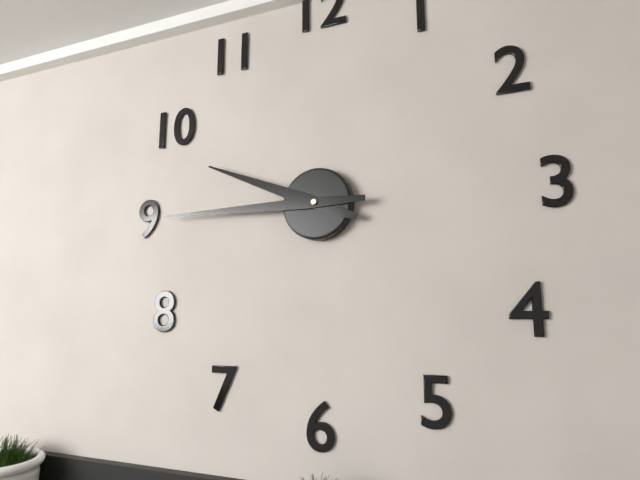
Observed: {"hour": 9, "minute": 45}
